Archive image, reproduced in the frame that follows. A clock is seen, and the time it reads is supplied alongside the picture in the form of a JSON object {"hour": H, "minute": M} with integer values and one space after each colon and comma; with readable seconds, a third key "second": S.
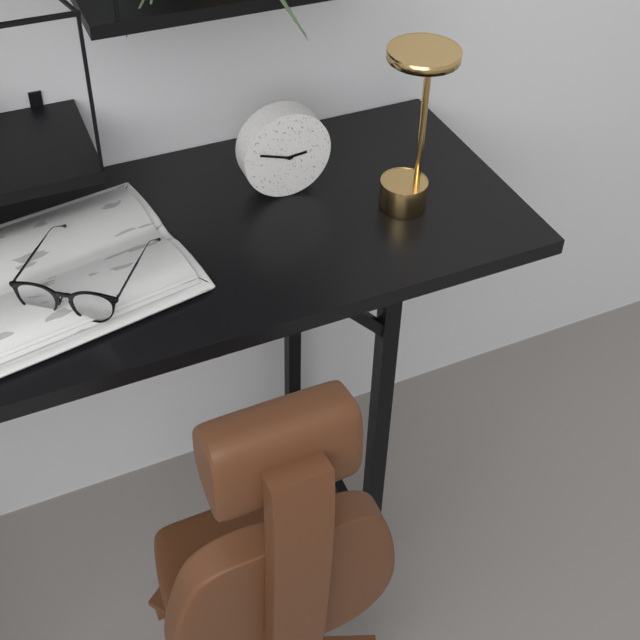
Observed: {"hour": 2, "minute": 48}
